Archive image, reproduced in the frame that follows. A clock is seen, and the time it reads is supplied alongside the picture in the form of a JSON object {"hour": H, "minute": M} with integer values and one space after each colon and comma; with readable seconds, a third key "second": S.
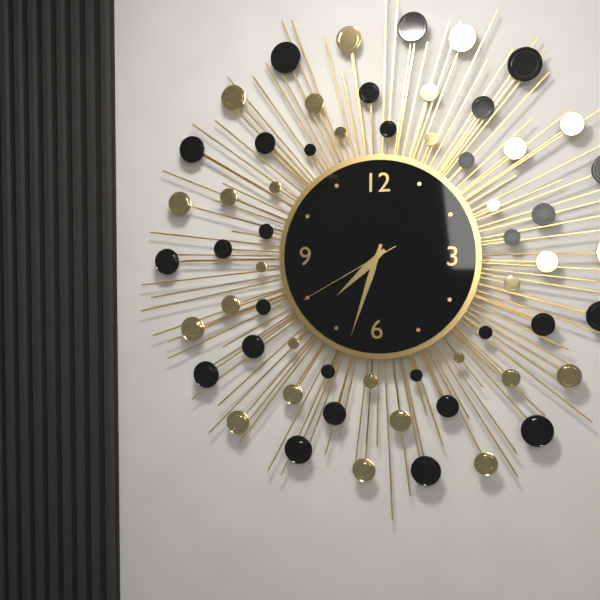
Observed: {"hour": 7, "minute": 33, "second": 40}
